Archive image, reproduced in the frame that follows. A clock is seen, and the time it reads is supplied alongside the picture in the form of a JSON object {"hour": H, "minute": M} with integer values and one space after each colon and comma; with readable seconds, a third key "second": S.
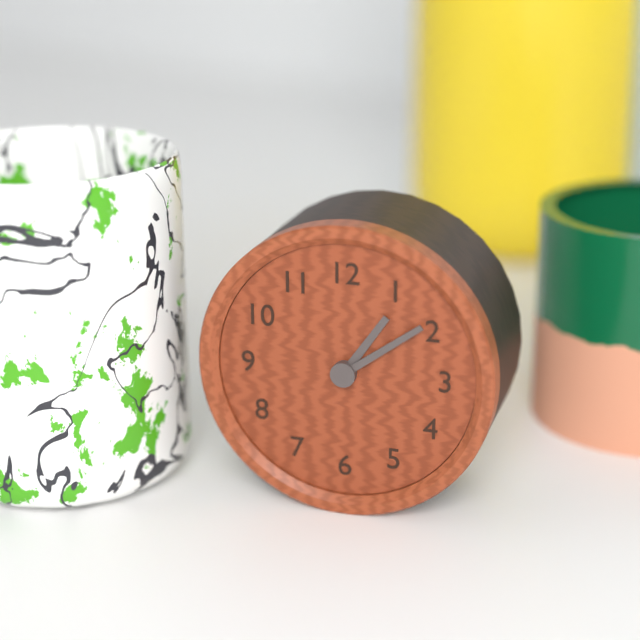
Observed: {"hour": 1, "minute": 9}
